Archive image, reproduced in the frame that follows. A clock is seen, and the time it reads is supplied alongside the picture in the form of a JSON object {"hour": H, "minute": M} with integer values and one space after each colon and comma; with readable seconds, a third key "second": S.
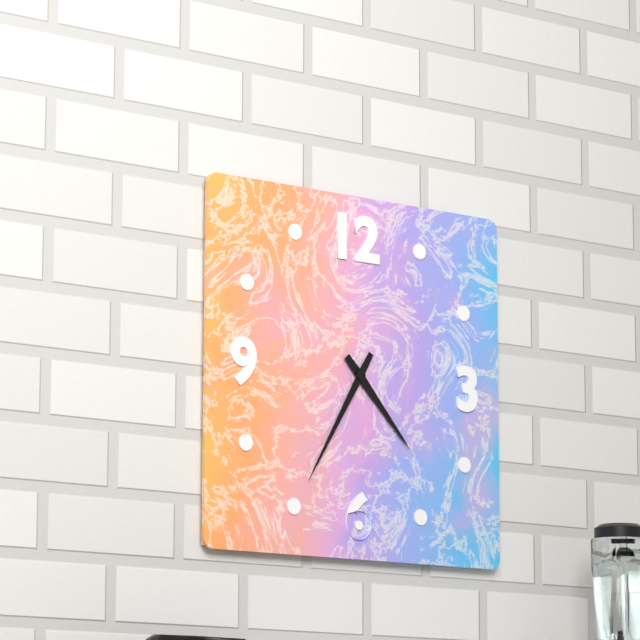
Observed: {"hour": 4, "minute": 35}
